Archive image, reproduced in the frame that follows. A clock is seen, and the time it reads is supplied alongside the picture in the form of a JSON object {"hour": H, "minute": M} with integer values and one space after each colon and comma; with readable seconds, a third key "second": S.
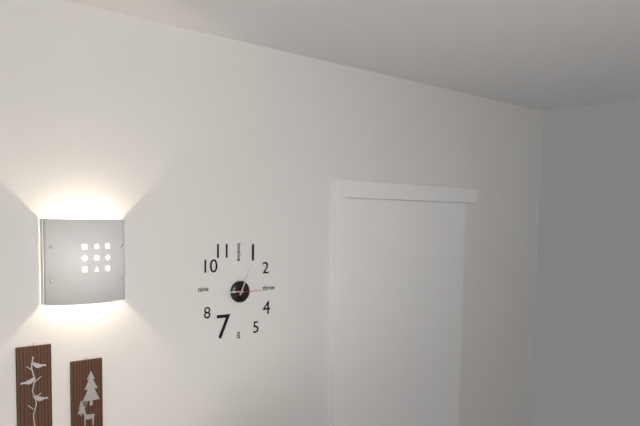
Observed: {"hour": 9, "minute": 4}
